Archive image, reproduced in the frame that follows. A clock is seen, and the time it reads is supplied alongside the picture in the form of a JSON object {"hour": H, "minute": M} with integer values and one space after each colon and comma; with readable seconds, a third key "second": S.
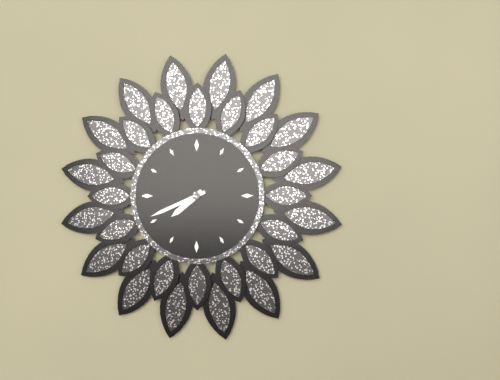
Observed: {"hour": 7, "minute": 41}
